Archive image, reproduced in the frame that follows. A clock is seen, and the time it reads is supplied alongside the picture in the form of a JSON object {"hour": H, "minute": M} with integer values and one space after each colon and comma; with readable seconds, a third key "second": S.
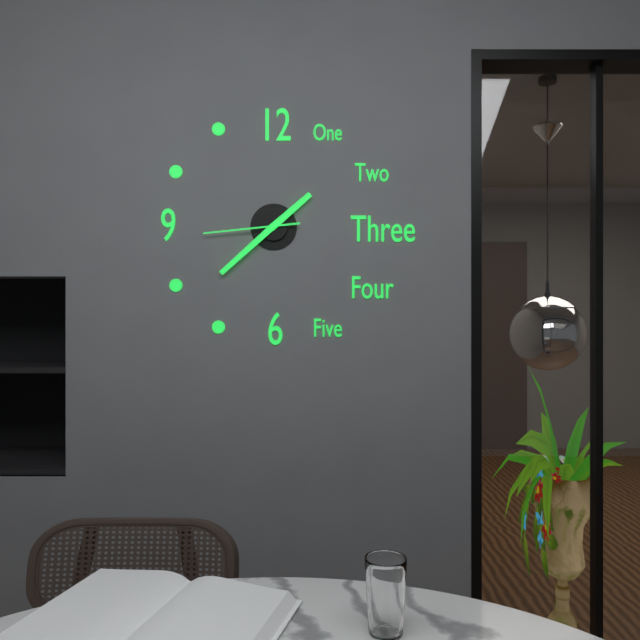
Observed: {"hour": 1, "minute": 38, "second": 44}
